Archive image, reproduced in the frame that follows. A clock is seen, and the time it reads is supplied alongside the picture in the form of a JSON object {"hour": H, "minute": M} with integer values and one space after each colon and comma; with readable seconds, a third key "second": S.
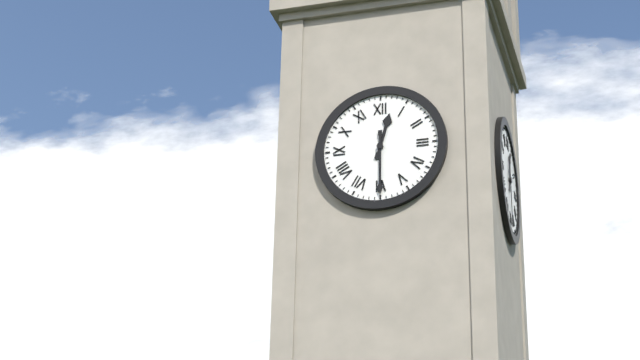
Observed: {"hour": 12, "minute": 30}
